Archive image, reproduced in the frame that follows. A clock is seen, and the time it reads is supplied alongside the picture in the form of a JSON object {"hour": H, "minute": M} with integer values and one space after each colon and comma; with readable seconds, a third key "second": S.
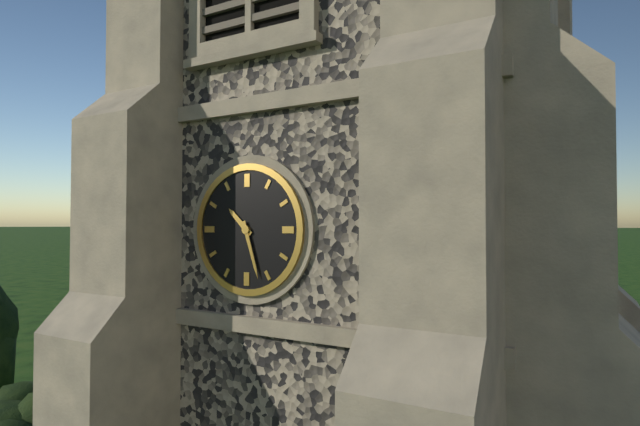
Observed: {"hour": 10, "minute": 27}
